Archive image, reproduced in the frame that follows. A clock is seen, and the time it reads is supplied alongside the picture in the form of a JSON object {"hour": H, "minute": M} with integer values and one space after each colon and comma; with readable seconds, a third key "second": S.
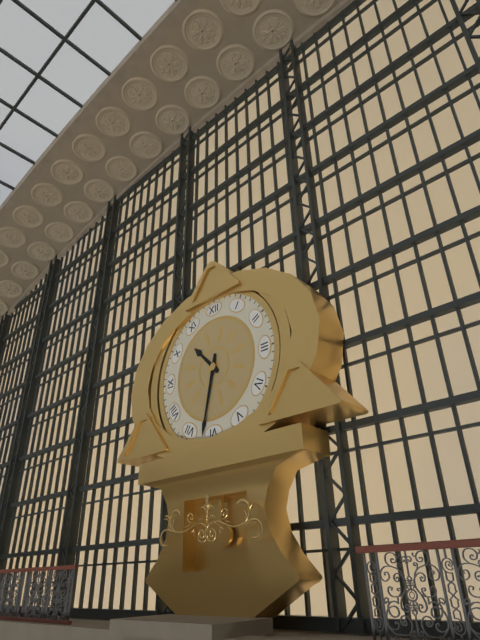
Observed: {"hour": 10, "minute": 32}
